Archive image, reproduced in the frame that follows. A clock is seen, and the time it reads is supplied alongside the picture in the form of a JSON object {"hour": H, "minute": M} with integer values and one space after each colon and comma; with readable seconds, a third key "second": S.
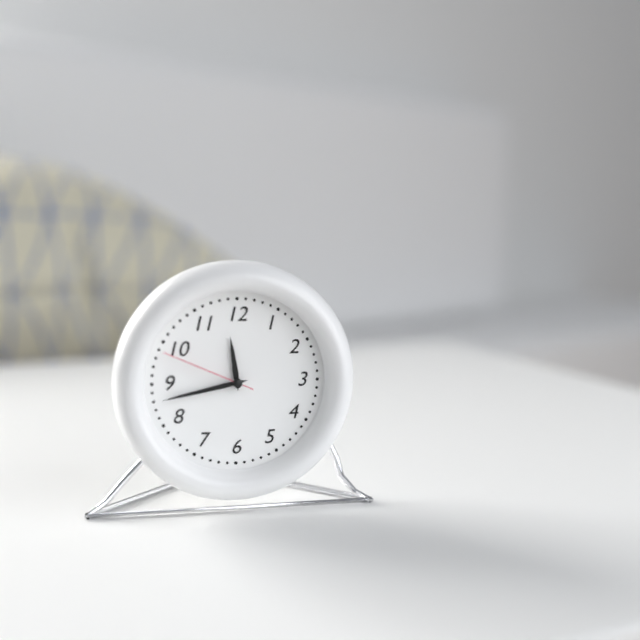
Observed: {"hour": 11, "minute": 43, "second": 49}
